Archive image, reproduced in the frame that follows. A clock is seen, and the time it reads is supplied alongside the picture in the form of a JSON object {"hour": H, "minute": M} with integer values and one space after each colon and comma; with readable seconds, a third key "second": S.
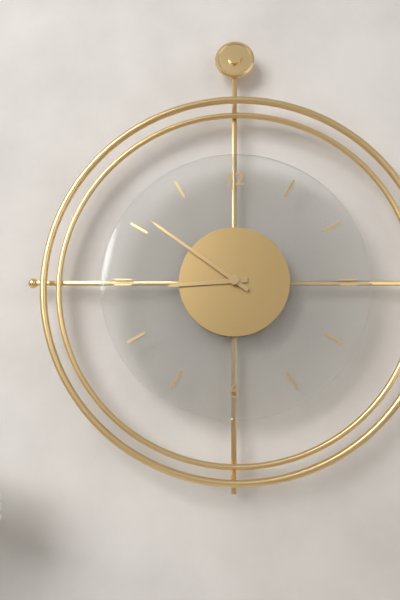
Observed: {"hour": 8, "minute": 51}
